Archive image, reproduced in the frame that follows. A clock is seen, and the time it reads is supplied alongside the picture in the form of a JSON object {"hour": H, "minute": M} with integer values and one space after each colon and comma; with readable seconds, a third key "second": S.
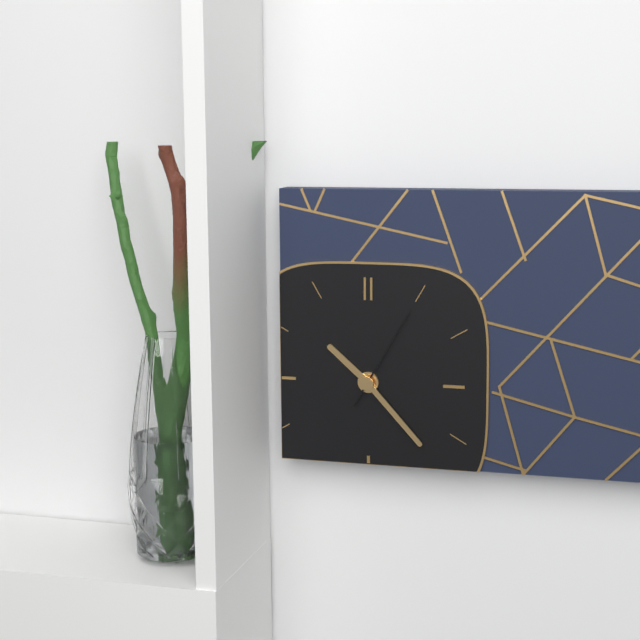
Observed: {"hour": 10, "minute": 23, "second": 5}
